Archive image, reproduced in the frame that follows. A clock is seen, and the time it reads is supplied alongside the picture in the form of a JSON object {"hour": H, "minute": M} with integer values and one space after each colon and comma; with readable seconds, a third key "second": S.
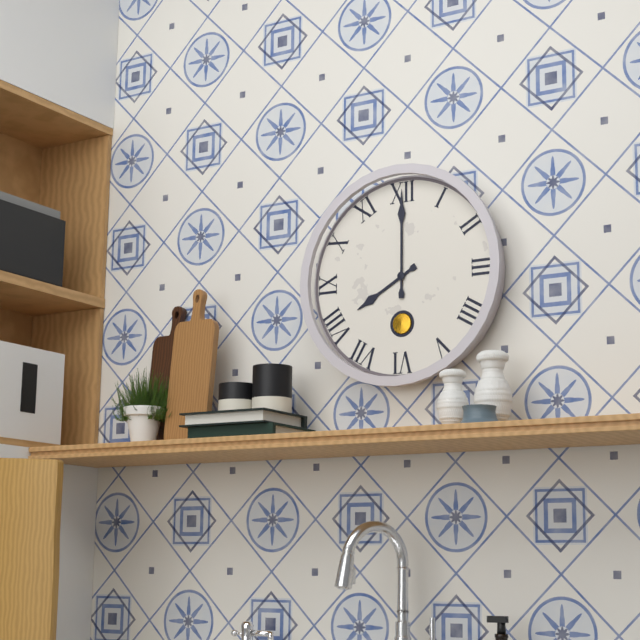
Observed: {"hour": 8, "minute": 0}
